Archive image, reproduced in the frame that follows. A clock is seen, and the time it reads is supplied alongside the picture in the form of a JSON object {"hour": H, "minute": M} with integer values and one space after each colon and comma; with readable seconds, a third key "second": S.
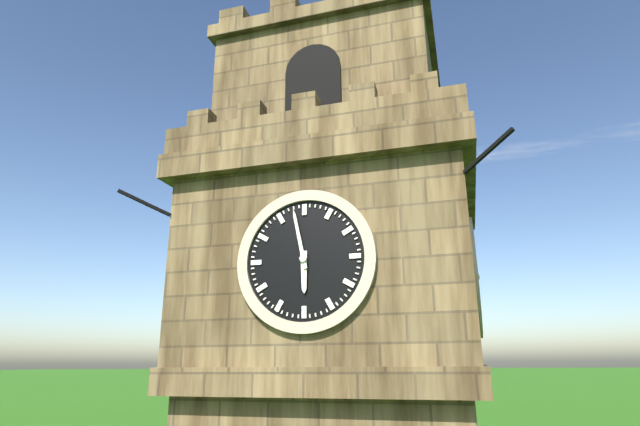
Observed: {"hour": 5, "minute": 58}
